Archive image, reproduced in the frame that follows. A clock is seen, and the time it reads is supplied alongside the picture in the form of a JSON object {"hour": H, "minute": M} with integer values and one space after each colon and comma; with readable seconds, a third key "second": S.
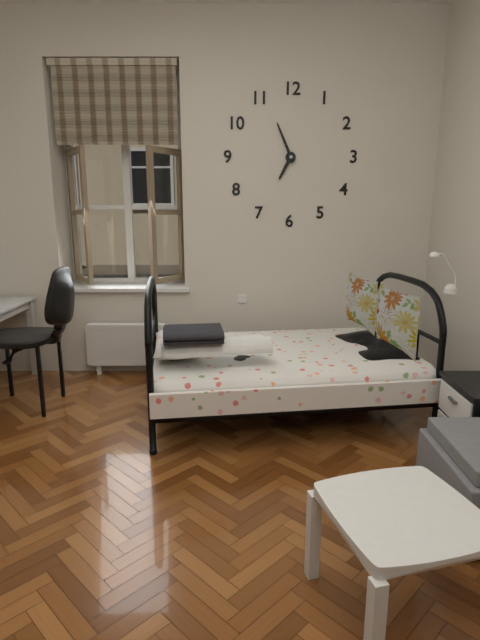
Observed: {"hour": 6, "minute": 56}
